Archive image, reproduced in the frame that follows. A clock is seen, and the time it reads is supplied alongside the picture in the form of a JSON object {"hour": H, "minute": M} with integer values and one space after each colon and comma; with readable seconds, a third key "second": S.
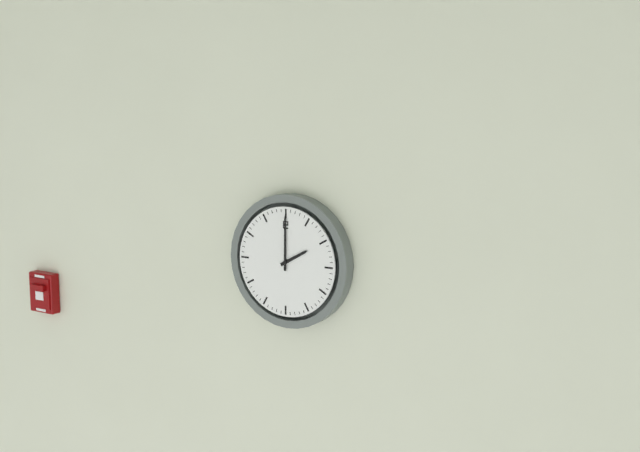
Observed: {"hour": 2, "minute": 0}
